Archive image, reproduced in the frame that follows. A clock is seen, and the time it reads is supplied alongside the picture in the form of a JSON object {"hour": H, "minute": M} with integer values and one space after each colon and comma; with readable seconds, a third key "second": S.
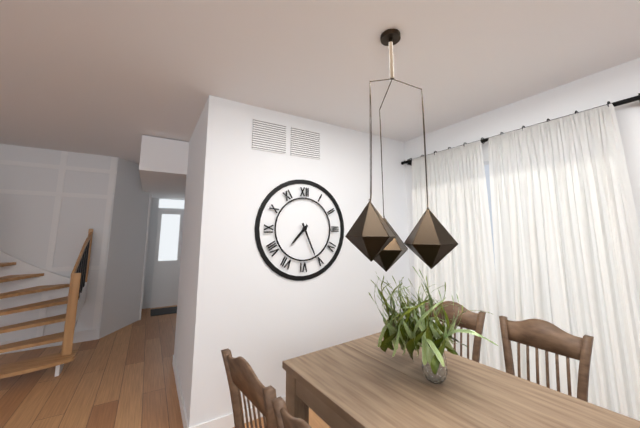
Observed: {"hour": 7, "minute": 26}
